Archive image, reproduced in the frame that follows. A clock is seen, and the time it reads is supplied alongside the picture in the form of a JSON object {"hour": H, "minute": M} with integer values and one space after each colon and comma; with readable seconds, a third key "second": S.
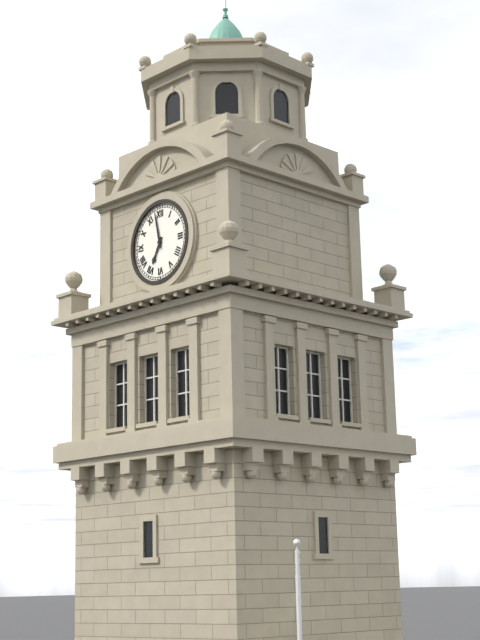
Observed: {"hour": 6, "minute": 58}
